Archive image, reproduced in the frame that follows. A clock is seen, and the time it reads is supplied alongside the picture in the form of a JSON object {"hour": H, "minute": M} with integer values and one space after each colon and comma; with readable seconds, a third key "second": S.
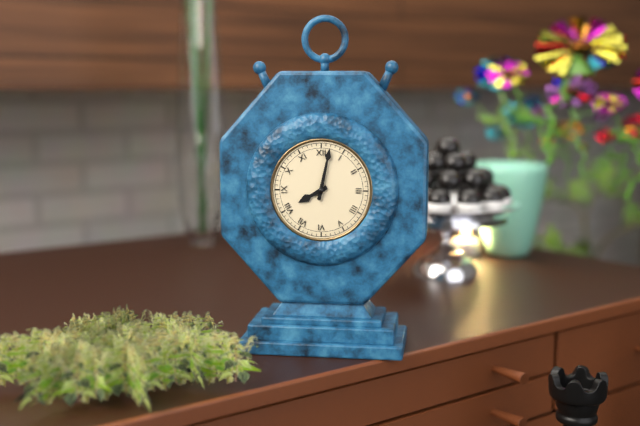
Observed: {"hour": 8, "minute": 2}
